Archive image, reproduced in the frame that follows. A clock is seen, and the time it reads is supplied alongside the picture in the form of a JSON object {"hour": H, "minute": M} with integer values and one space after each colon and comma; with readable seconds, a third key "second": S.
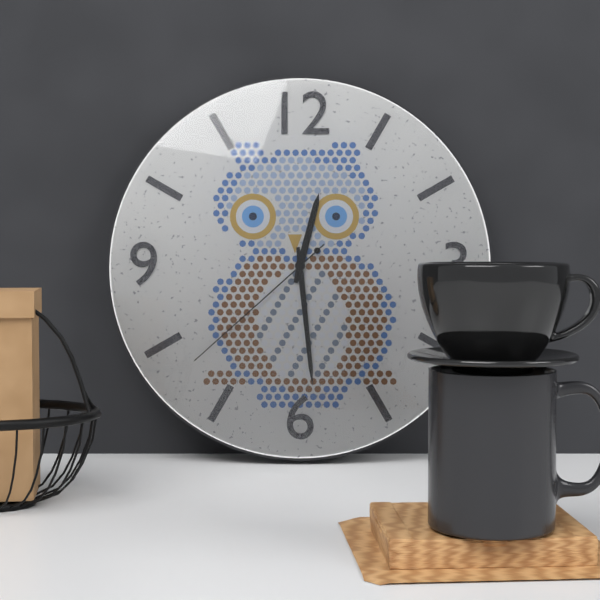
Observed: {"hour": 12, "minute": 29, "second": 38}
